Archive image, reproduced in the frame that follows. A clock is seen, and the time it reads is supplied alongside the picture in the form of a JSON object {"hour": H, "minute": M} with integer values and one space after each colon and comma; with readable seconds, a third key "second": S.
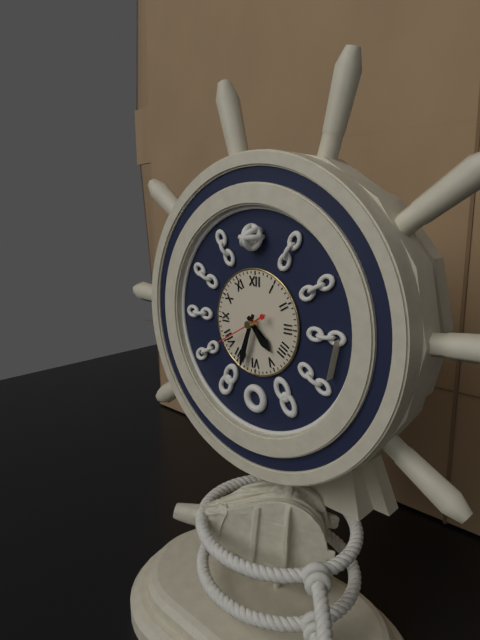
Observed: {"hour": 4, "minute": 33, "second": 40}
